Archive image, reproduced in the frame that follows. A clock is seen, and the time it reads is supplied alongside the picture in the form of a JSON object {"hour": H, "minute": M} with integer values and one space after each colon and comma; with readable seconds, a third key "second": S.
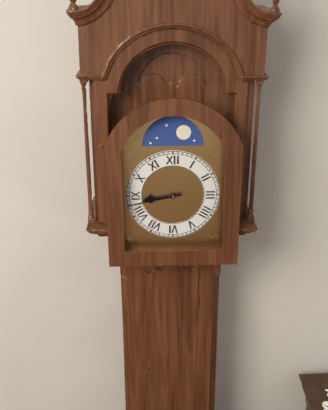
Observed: {"hour": 8, "minute": 43}
